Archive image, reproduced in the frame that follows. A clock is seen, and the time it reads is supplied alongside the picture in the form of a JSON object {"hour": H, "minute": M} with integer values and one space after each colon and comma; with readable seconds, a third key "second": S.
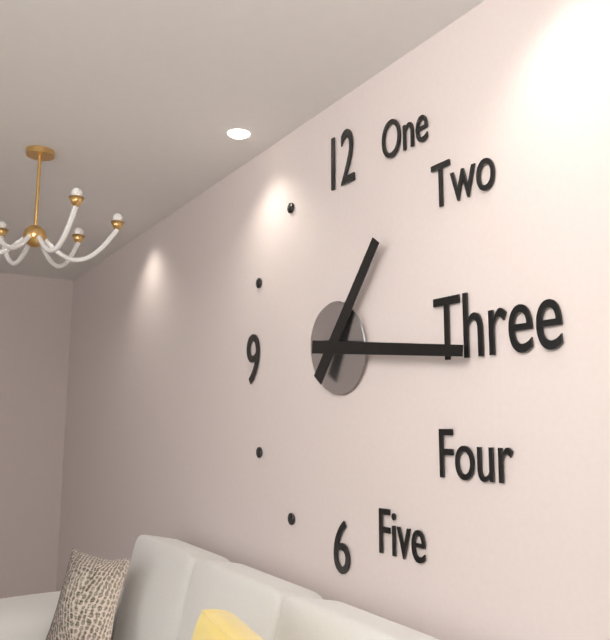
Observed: {"hour": 1, "minute": 16}
